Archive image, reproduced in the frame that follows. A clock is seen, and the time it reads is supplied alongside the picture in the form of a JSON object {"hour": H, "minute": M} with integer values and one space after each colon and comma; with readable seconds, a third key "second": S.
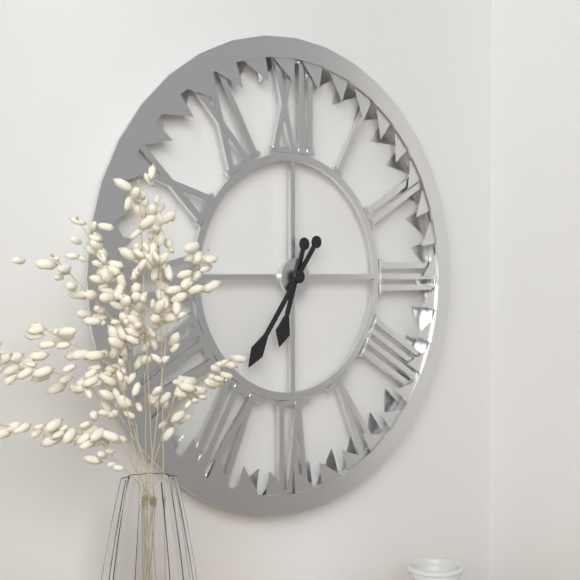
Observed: {"hour": 6, "minute": 36}
